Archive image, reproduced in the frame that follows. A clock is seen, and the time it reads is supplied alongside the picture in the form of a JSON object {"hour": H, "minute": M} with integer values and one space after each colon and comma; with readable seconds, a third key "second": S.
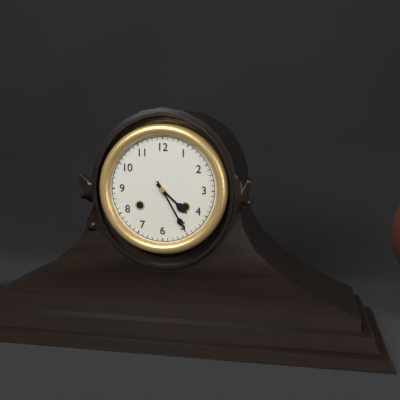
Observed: {"hour": 4, "minute": 25}
